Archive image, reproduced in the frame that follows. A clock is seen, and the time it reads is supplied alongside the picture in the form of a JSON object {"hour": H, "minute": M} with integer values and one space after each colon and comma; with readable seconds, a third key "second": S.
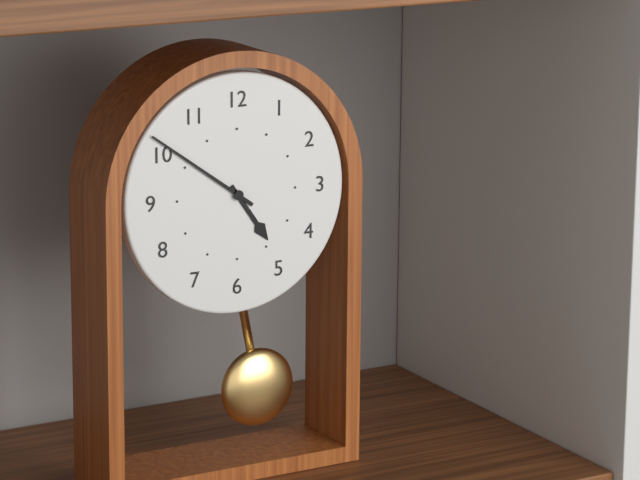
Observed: {"hour": 4, "minute": 51}
